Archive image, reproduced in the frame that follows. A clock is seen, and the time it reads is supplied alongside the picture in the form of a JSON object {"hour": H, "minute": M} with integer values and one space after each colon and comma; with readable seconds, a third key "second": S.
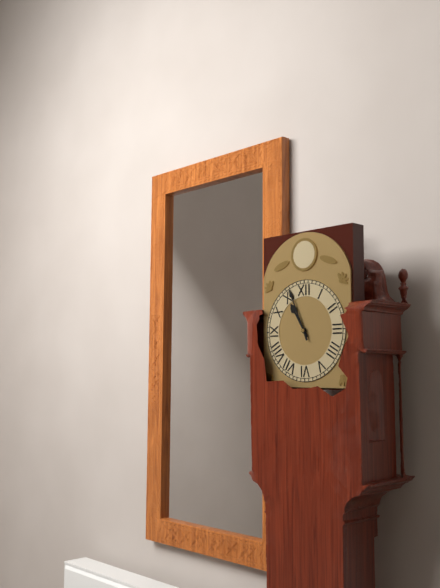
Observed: {"hour": 10, "minute": 56}
